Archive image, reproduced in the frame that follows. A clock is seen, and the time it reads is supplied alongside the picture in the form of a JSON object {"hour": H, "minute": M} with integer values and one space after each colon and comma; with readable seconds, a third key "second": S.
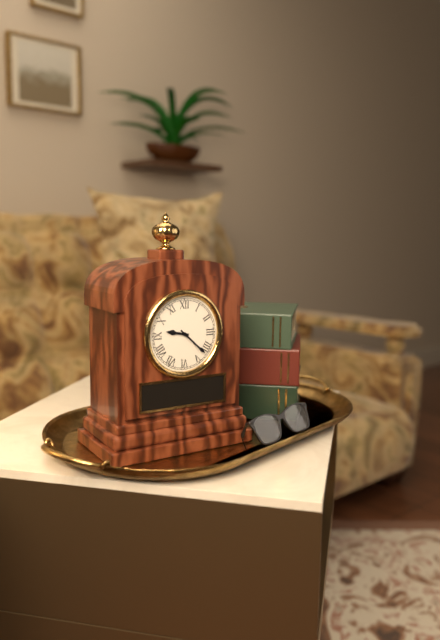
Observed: {"hour": 9, "minute": 22}
